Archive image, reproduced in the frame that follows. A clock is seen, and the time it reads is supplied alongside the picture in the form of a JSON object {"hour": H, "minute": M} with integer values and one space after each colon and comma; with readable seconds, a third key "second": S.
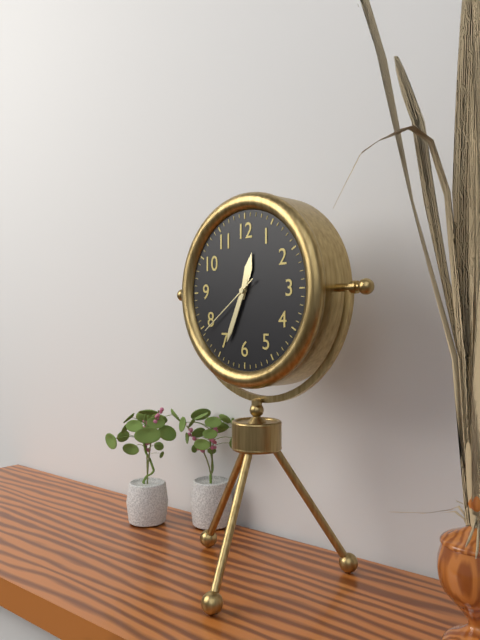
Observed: {"hour": 12, "minute": 34, "second": 39}
